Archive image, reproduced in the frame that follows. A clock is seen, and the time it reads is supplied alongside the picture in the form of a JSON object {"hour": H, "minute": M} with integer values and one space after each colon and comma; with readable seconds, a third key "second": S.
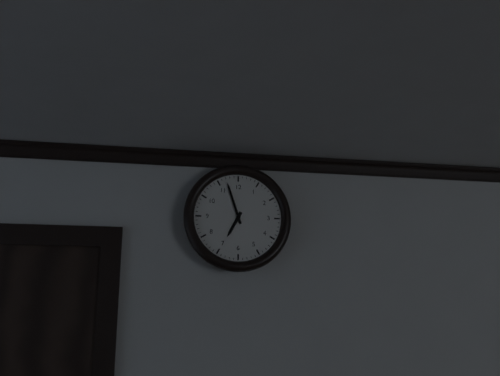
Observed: {"hour": 6, "minute": 57}
